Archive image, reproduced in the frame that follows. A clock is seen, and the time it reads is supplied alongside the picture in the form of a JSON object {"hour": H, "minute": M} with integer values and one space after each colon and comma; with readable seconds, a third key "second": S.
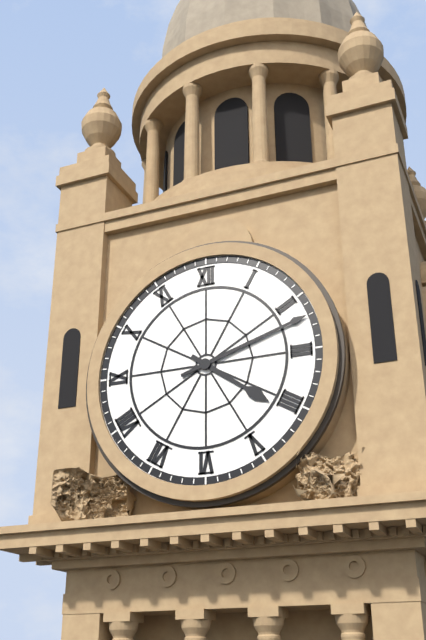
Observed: {"hour": 4, "minute": 12}
